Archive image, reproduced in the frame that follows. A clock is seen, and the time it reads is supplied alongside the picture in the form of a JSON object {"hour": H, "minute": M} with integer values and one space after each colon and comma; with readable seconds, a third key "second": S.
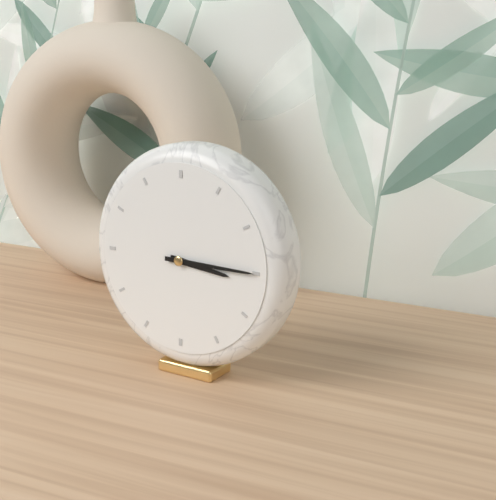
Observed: {"hour": 3, "minute": 15}
